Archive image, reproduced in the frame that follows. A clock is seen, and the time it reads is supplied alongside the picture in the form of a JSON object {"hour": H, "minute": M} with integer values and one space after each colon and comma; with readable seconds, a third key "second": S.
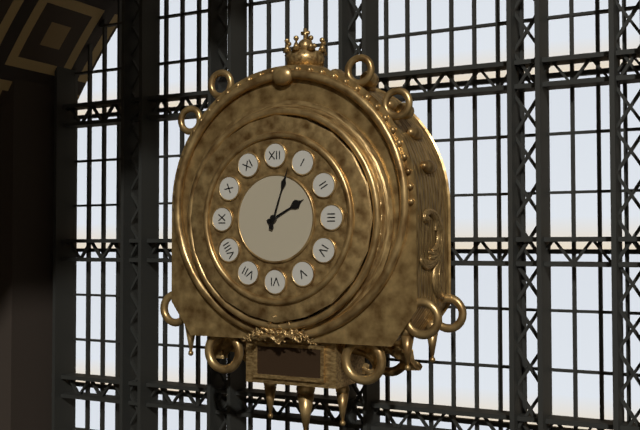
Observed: {"hour": 2, "minute": 3}
